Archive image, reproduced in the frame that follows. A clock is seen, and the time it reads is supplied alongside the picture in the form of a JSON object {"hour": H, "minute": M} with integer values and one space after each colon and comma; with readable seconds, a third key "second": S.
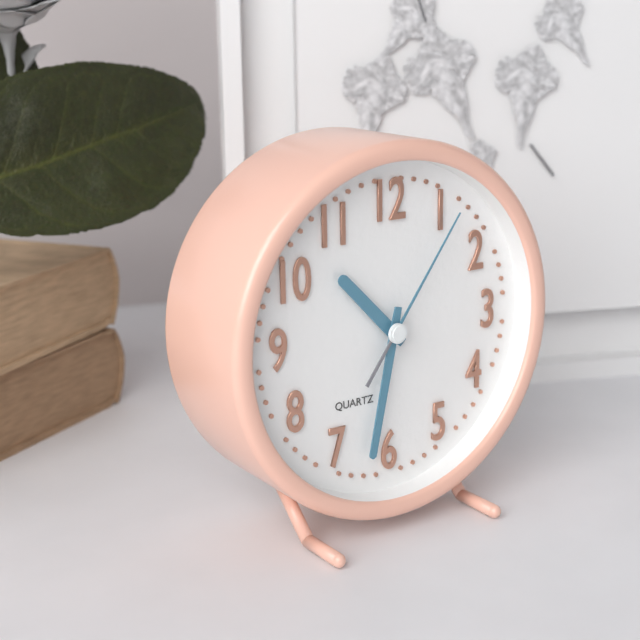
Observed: {"hour": 10, "minute": 32, "second": 6}
